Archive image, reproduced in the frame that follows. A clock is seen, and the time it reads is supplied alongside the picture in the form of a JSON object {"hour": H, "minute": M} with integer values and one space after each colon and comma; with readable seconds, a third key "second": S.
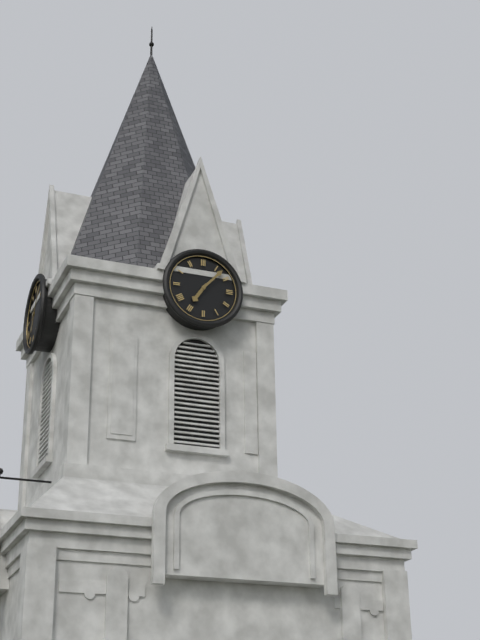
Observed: {"hour": 7, "minute": 7}
